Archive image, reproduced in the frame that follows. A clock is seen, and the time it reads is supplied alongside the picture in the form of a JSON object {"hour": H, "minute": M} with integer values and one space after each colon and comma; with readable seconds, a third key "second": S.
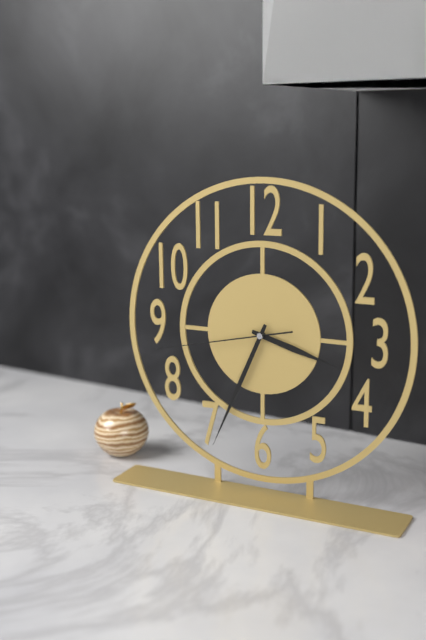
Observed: {"hour": 3, "minute": 34, "second": 43}
